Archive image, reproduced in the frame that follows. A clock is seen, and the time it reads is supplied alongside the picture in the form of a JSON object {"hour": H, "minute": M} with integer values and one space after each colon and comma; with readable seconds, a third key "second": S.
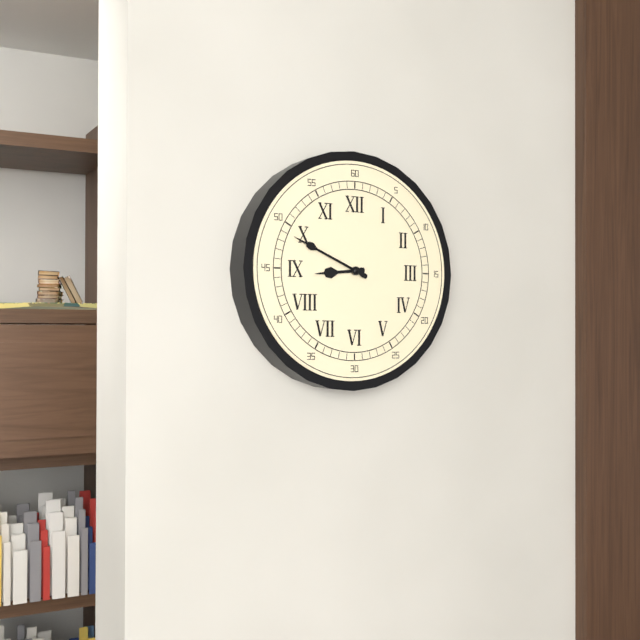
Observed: {"hour": 8, "minute": 49}
